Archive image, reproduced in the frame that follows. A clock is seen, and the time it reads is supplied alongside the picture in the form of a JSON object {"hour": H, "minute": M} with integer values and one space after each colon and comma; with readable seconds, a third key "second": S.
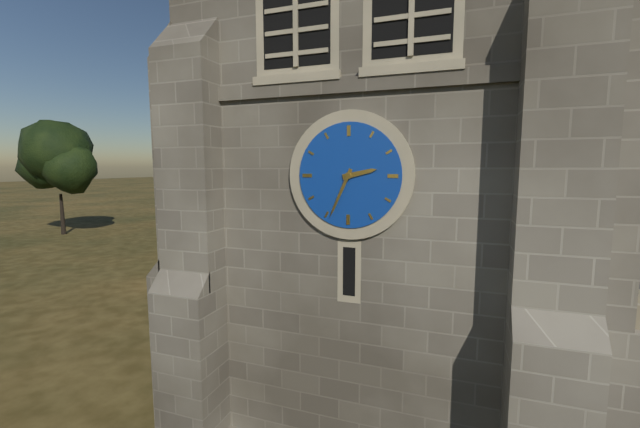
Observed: {"hour": 2, "minute": 34}
